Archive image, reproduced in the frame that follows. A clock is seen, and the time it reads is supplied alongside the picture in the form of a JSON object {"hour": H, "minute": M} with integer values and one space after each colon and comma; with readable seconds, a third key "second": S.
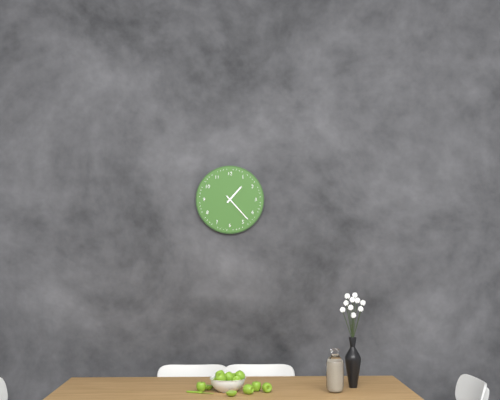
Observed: {"hour": 1, "minute": 23}
